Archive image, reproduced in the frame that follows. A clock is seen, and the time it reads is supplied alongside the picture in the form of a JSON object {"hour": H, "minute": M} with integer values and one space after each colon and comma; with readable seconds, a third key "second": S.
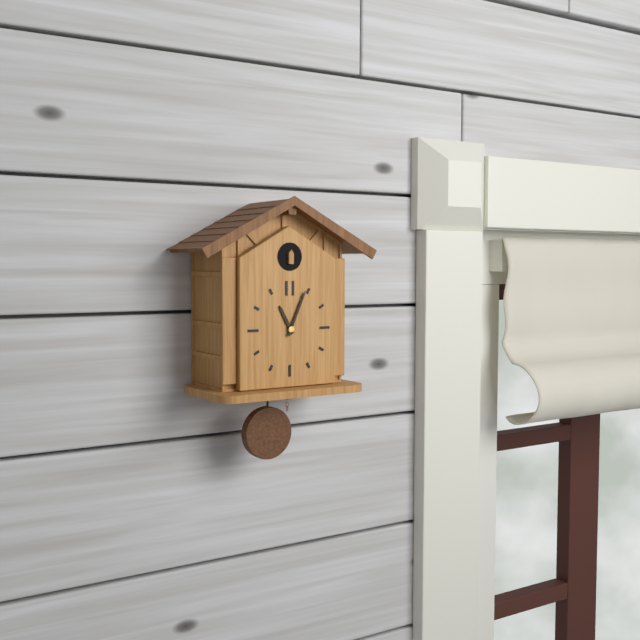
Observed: {"hour": 11, "minute": 4}
